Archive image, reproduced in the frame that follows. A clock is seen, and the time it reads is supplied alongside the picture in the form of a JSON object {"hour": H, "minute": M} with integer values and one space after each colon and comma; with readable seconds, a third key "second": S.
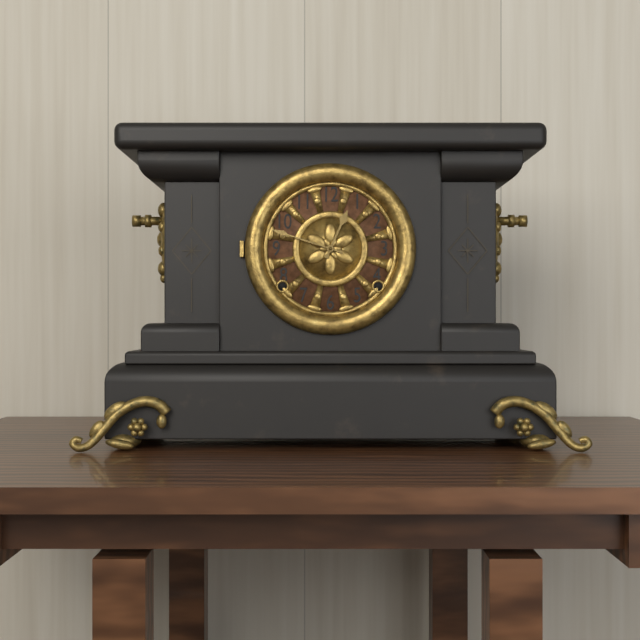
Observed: {"hour": 12, "minute": 48}
